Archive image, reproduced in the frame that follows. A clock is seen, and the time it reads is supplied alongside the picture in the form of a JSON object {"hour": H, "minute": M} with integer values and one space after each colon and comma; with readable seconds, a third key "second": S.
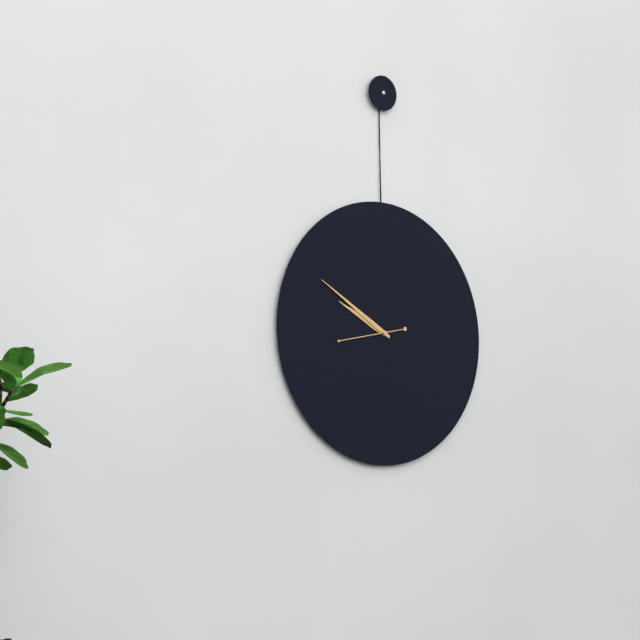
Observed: {"hour": 9, "minute": 50, "second": 43}
